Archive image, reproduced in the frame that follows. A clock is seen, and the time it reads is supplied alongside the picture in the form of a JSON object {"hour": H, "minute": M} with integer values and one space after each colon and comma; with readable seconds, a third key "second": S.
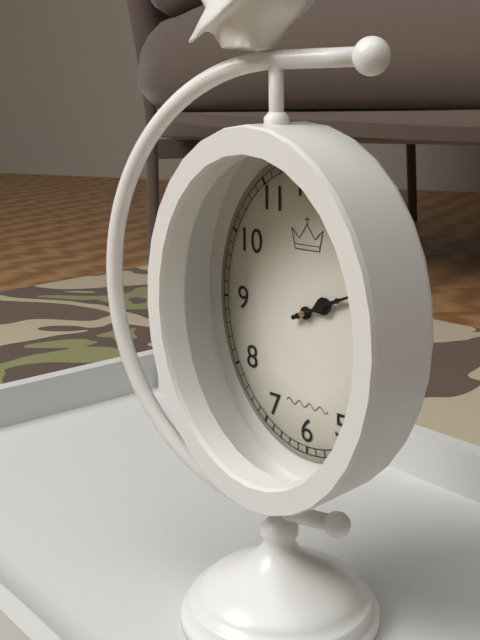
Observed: {"hour": 2, "minute": 11}
